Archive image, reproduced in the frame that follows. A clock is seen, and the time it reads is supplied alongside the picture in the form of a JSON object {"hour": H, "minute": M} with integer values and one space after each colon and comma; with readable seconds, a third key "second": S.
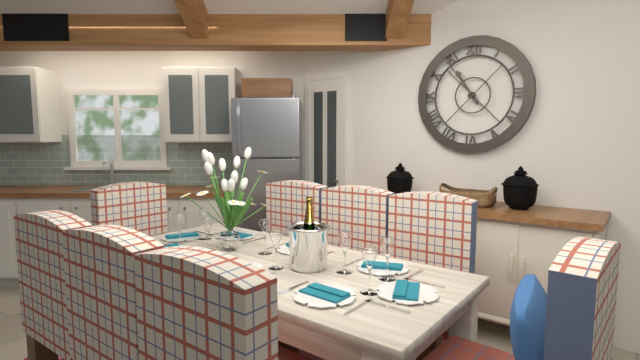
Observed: {"hour": 10, "minute": 54}
